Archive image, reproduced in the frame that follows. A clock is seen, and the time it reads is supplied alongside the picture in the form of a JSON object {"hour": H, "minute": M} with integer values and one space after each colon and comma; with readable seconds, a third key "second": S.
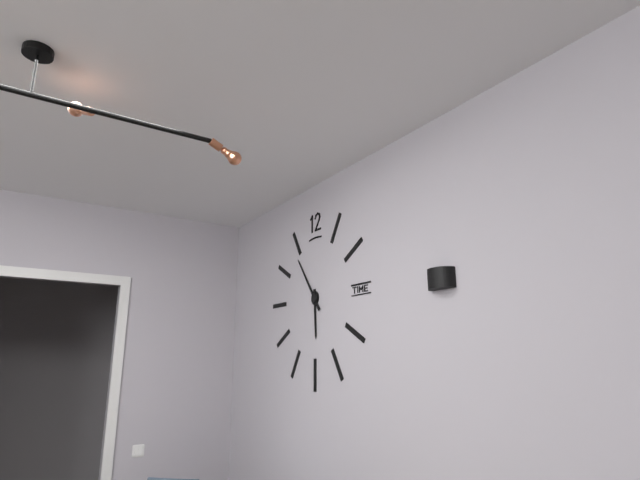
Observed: {"hour": 5, "minute": 54}
